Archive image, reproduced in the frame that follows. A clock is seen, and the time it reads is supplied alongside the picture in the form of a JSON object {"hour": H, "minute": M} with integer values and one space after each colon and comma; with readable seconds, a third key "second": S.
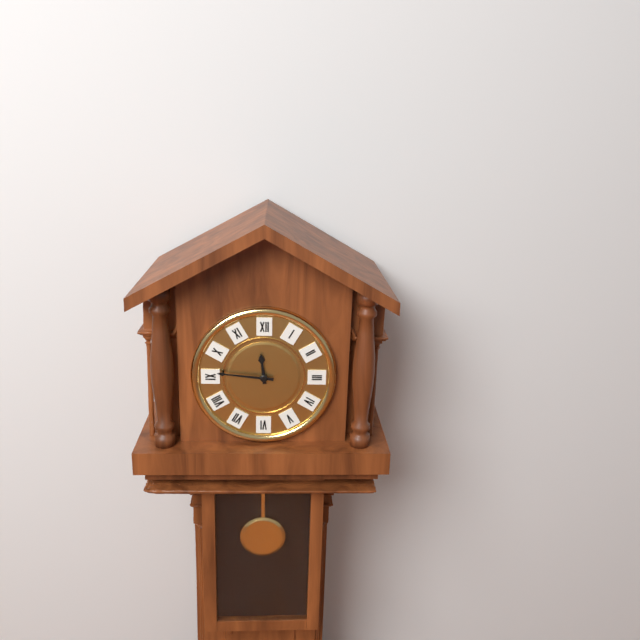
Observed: {"hour": 11, "minute": 46}
